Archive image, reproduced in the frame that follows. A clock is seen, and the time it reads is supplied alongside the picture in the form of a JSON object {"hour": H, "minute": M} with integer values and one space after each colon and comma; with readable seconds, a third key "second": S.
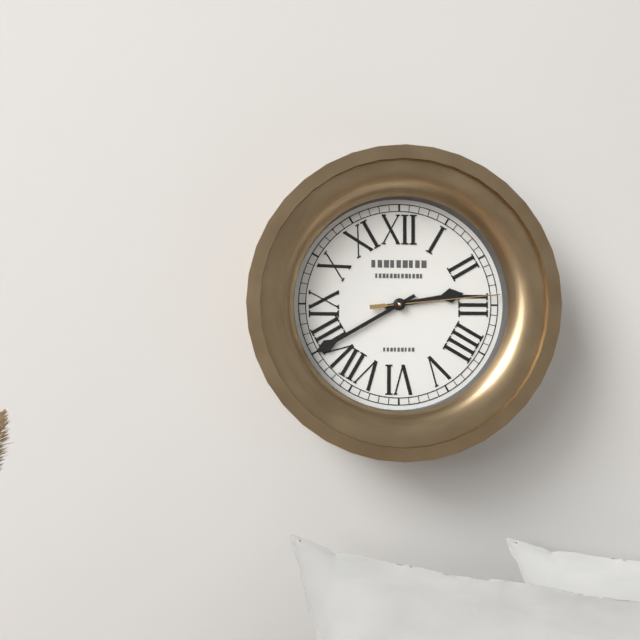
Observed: {"hour": 2, "minute": 40, "second": 14}
